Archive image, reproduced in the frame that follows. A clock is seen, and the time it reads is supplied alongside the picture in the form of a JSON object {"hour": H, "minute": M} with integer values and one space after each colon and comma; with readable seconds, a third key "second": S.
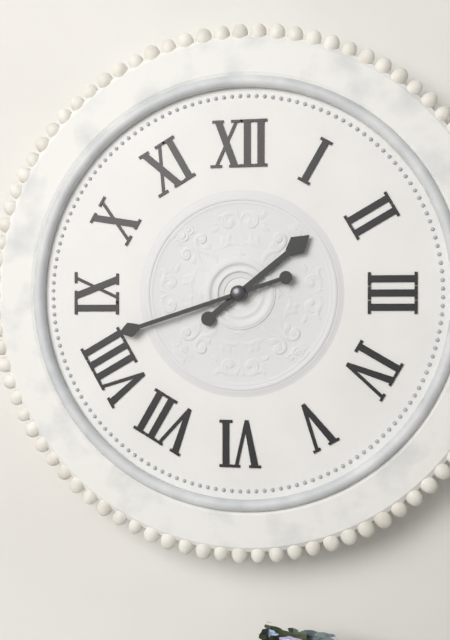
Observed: {"hour": 1, "minute": 42}
